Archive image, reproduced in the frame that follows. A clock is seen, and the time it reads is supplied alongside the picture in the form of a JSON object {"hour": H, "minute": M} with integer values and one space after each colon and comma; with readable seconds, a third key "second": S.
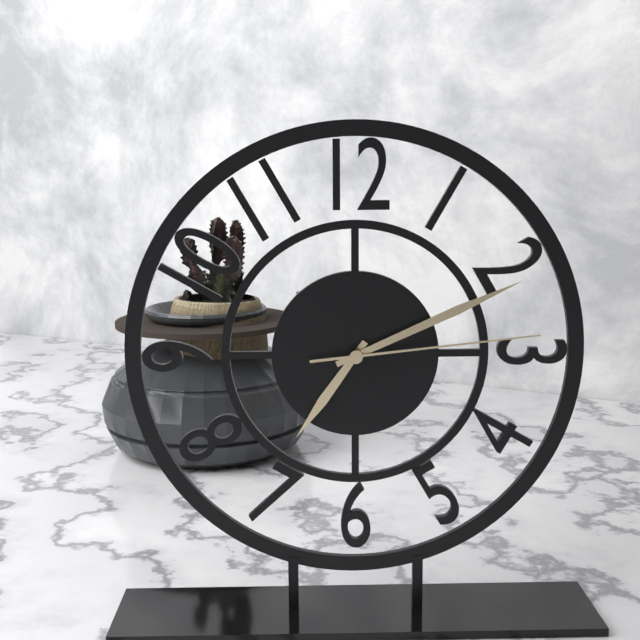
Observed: {"hour": 7, "minute": 11, "second": 14}
